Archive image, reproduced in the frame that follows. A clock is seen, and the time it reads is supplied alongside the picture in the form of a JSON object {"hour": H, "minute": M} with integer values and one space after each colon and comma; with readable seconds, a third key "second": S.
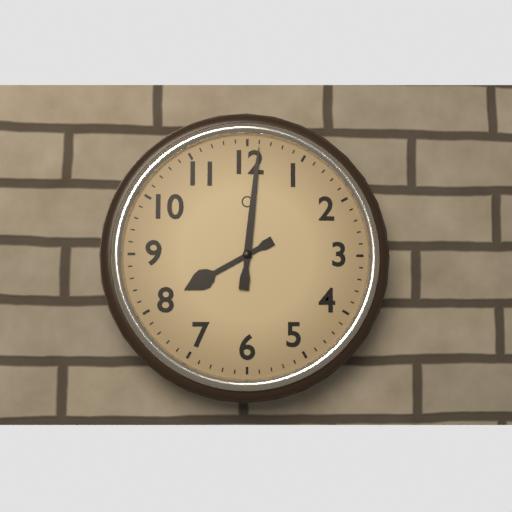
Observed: {"hour": 8, "minute": 1}
